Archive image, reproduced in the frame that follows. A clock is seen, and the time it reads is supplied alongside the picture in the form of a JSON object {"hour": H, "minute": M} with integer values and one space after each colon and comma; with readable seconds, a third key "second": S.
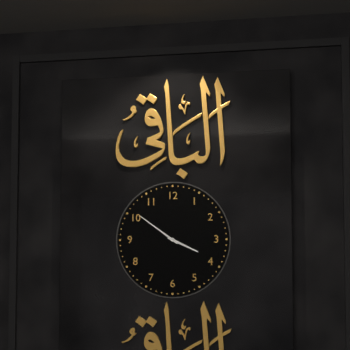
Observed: {"hour": 3, "minute": 51}
